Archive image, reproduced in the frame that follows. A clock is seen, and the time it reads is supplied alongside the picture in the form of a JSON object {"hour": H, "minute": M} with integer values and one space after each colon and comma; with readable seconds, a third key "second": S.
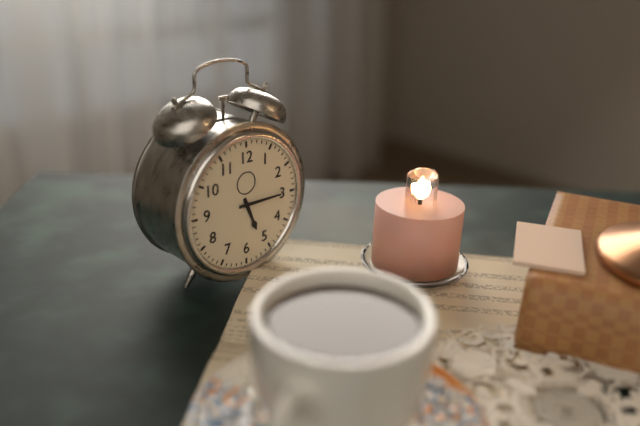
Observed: {"hour": 5, "minute": 15}
